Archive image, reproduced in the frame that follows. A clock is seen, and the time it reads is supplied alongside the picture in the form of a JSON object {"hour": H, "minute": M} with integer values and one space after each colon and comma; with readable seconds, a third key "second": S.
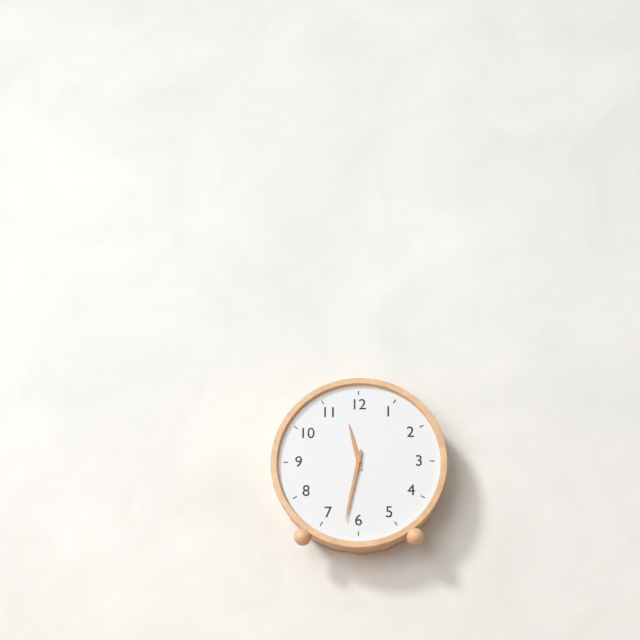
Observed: {"hour": 11, "minute": 32}
